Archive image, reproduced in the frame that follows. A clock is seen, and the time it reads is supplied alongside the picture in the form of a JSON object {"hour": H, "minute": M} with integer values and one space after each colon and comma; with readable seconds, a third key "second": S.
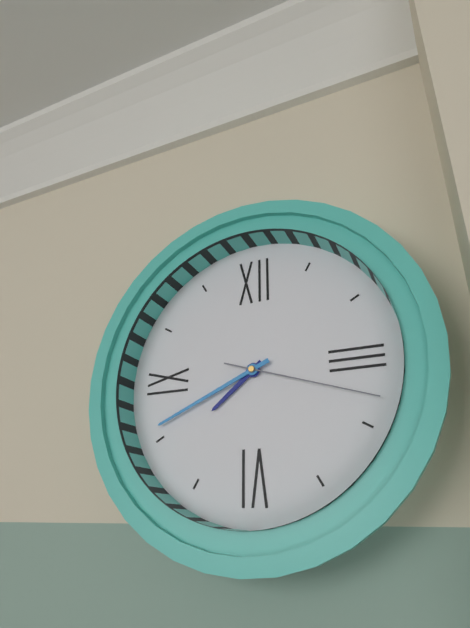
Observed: {"hour": 7, "minute": 41, "second": 18}
